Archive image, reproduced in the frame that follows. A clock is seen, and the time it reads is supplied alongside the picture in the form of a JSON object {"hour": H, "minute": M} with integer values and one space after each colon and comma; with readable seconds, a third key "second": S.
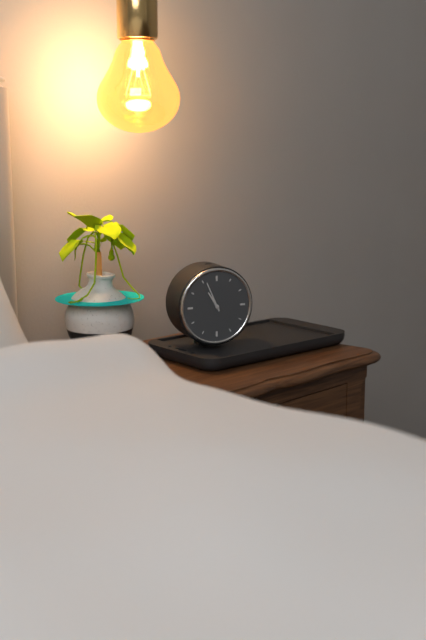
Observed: {"hour": 10, "minute": 56}
